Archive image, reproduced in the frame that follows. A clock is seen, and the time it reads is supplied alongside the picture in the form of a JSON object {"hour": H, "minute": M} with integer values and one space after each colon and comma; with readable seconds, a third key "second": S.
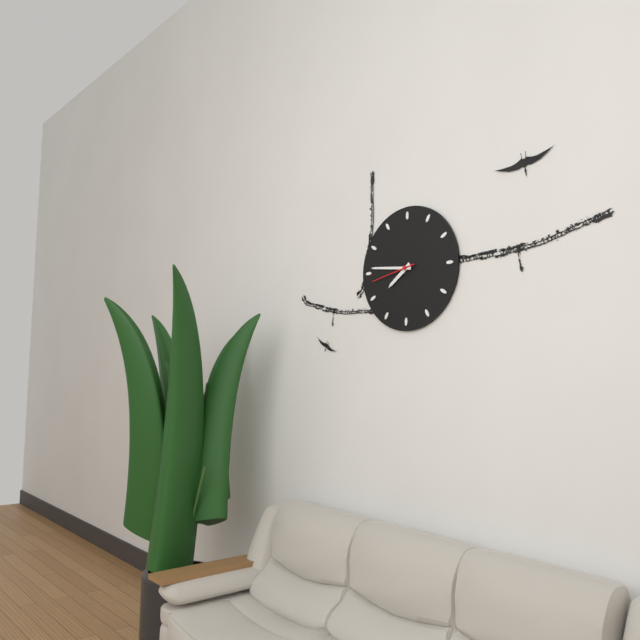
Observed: {"hour": 7, "minute": 46}
